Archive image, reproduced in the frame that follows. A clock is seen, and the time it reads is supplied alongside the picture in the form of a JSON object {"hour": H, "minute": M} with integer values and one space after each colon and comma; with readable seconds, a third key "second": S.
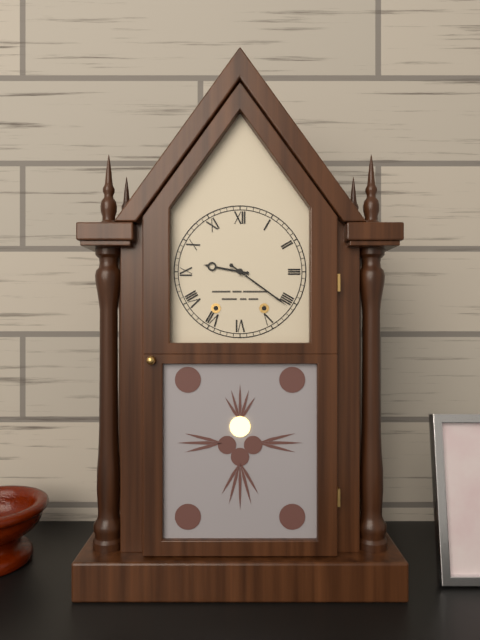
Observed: {"hour": 9, "minute": 21}
